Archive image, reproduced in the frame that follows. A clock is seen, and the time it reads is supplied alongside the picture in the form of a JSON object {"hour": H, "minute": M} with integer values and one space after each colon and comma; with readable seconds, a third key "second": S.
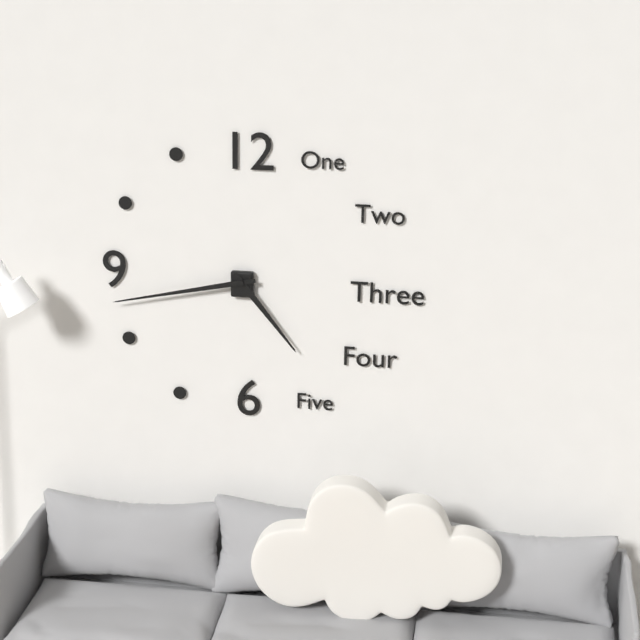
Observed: {"hour": 4, "minute": 43}
